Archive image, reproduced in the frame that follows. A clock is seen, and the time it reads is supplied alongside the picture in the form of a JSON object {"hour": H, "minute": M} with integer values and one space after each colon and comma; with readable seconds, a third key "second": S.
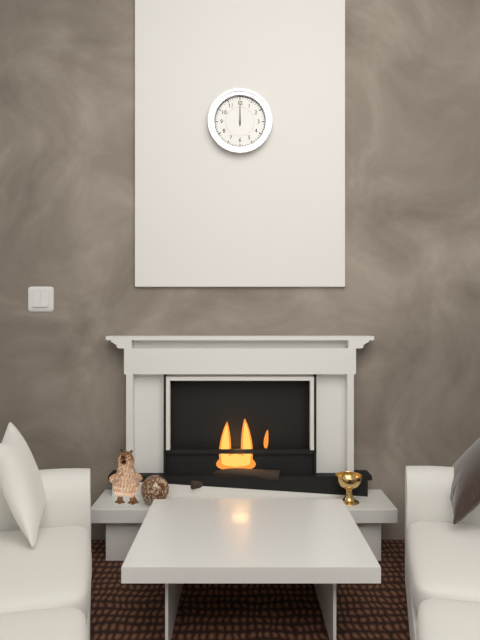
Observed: {"hour": 12, "minute": 0}
